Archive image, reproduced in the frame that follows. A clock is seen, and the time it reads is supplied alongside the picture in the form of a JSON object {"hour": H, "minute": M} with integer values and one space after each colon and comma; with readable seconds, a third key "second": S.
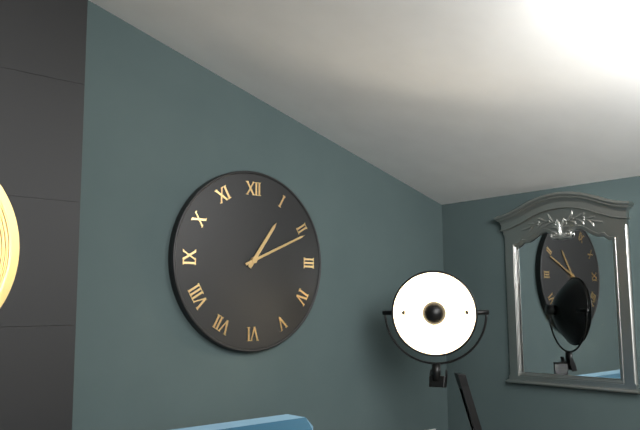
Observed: {"hour": 1, "minute": 11}
